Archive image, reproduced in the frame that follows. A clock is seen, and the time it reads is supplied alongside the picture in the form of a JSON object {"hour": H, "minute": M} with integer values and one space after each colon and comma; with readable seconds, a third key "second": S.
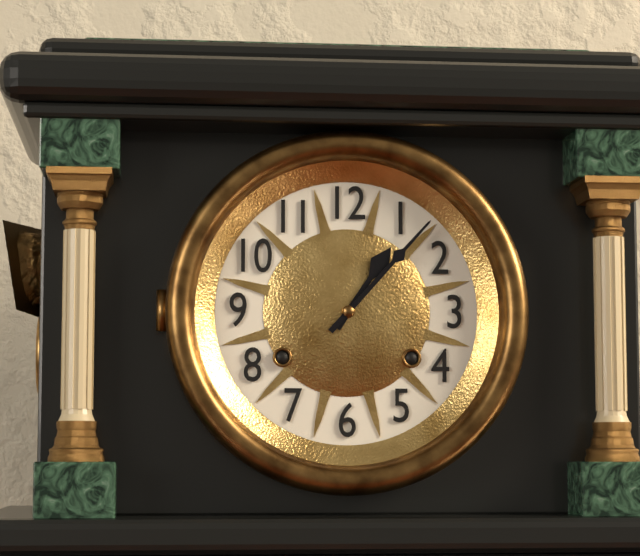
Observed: {"hour": 1, "minute": 7}
